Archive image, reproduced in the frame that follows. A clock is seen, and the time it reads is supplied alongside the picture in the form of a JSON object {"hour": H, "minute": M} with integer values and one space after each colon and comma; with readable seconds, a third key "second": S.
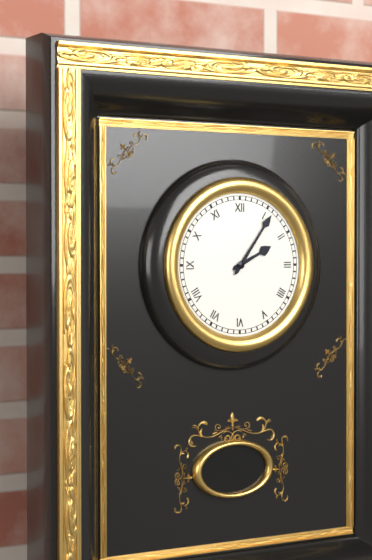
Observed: {"hour": 2, "minute": 6}
